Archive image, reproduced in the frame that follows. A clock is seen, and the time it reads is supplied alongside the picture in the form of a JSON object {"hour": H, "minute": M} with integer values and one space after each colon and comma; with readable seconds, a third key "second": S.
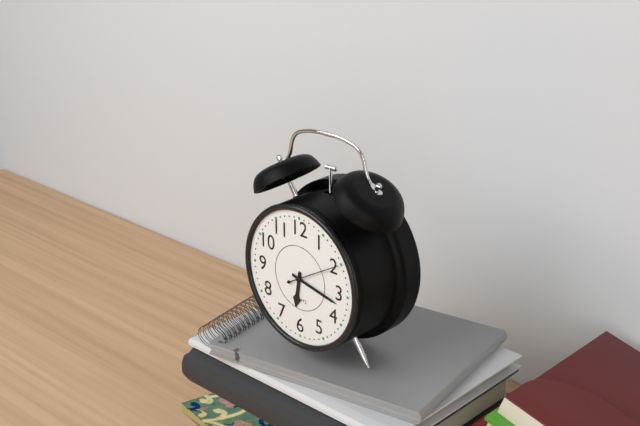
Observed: {"hour": 6, "minute": 17}
